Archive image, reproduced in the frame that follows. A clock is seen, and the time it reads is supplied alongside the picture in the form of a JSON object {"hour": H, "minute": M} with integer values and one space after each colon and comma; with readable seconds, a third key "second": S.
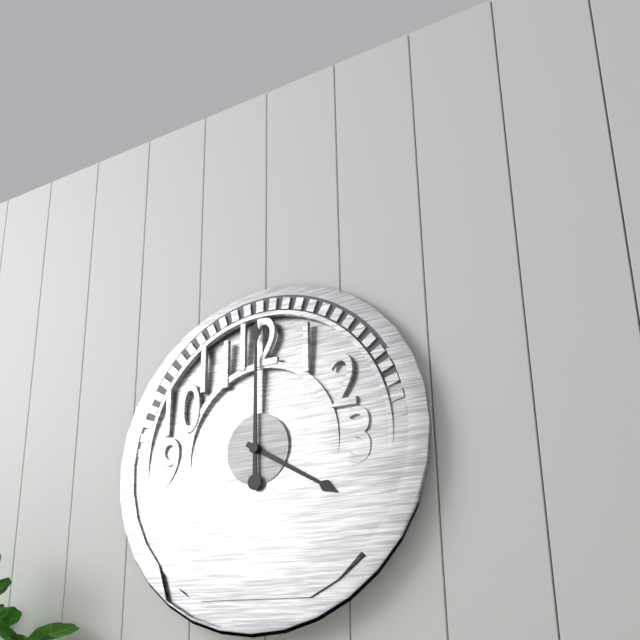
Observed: {"hour": 4, "minute": 0}
